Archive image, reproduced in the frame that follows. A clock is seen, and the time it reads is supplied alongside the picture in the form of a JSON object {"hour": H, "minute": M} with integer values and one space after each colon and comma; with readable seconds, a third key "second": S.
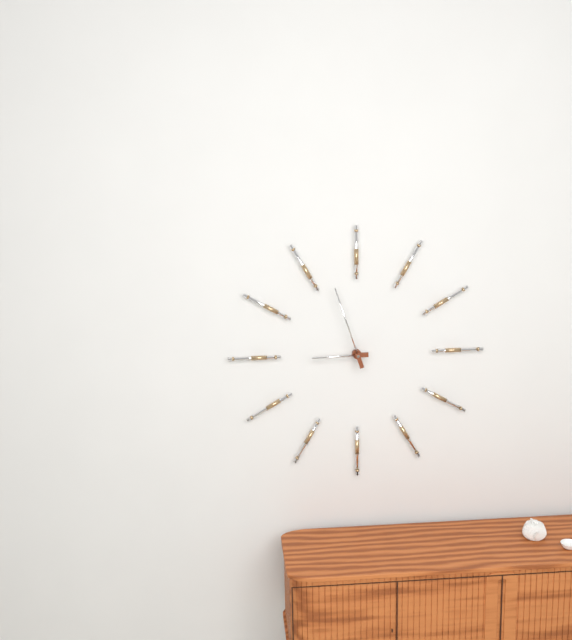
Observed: {"hour": 8, "minute": 57}
